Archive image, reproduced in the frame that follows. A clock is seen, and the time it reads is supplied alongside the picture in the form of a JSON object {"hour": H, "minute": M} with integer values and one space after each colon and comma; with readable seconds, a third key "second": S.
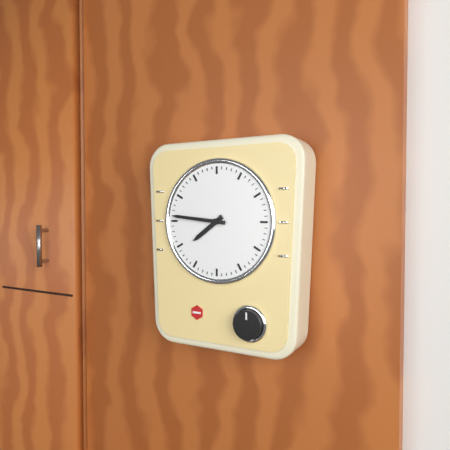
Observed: {"hour": 7, "minute": 46}
